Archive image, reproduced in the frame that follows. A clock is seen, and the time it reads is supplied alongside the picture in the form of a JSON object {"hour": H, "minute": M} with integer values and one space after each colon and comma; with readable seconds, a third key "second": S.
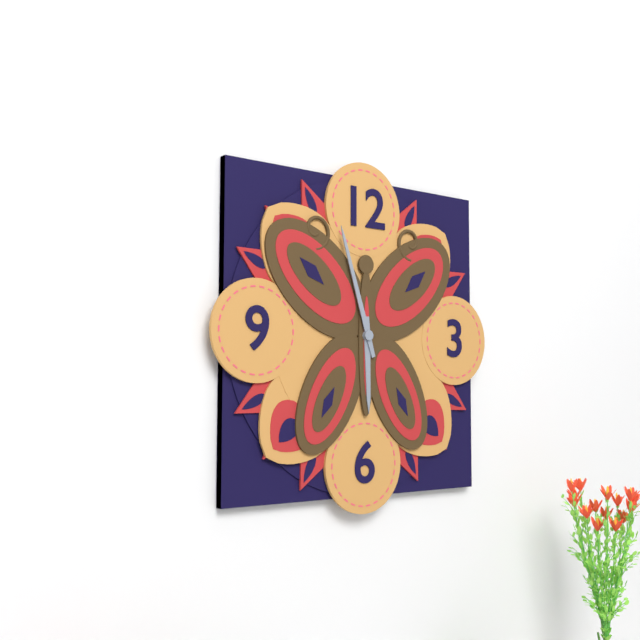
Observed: {"hour": 5, "minute": 57}
